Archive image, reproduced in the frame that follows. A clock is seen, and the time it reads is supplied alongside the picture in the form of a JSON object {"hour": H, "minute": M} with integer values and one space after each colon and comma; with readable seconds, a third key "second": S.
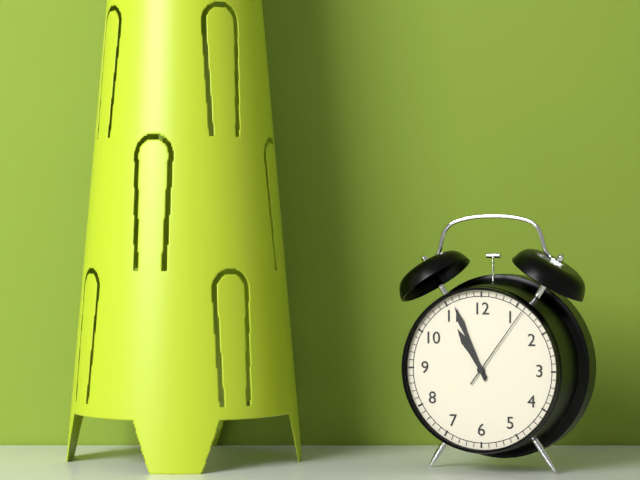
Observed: {"hour": 10, "minute": 56, "second": 6}
